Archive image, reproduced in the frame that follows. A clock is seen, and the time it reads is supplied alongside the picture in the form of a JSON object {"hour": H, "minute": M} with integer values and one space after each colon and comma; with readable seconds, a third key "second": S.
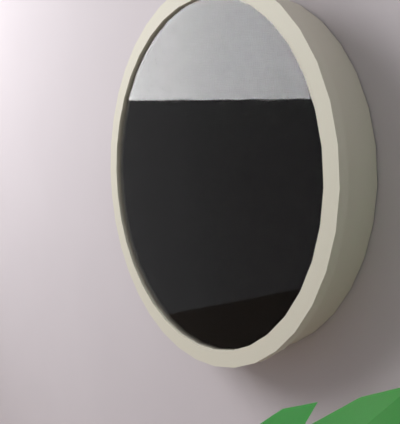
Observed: {"hour": 5, "minute": 58, "second": 9}
